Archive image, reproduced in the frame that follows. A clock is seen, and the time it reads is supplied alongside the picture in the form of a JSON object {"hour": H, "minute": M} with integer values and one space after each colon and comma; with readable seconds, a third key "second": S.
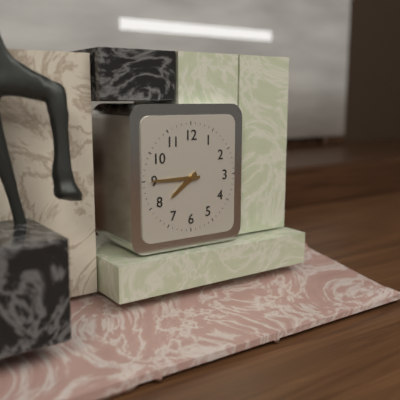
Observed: {"hour": 7, "minute": 45}
